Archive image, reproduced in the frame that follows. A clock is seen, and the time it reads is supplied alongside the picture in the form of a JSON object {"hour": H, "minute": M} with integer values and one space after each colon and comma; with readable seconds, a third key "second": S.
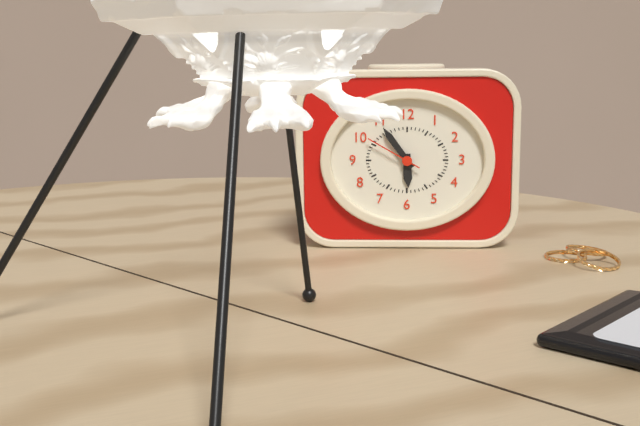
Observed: {"hour": 5, "minute": 54, "second": 50}
